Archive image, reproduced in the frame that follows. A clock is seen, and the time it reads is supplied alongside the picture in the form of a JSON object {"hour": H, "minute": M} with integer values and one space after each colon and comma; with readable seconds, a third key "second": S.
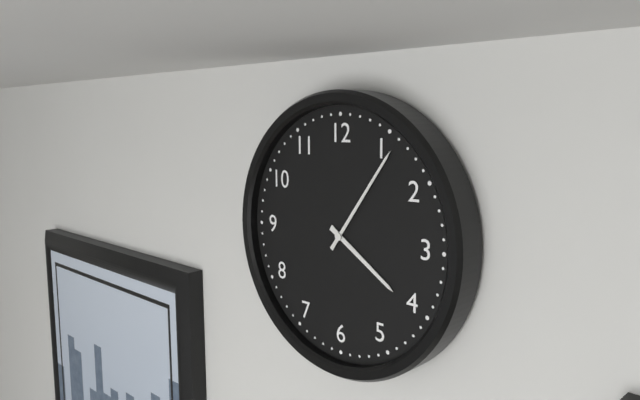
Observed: {"hour": 4, "minute": 6}
